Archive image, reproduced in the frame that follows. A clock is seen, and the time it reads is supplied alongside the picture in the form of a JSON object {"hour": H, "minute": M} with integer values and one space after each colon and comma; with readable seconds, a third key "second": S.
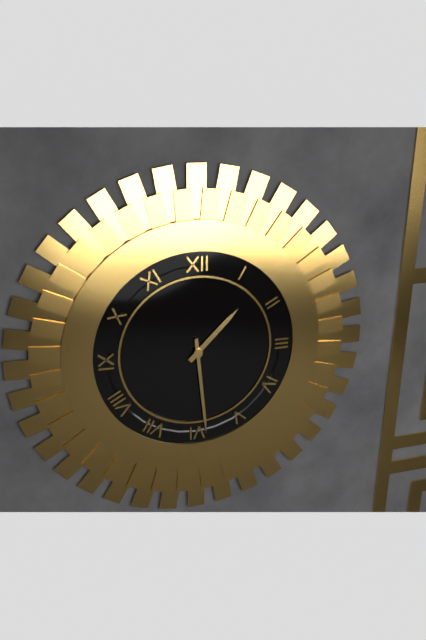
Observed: {"hour": 1, "minute": 29}
